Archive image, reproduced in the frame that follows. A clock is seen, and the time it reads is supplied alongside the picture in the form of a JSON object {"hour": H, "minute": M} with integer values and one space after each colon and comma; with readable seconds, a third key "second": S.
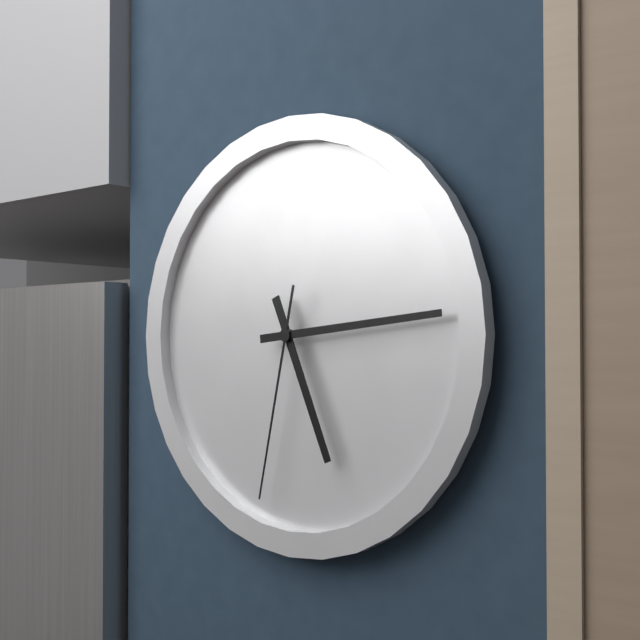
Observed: {"hour": 5, "minute": 14, "second": 32}
